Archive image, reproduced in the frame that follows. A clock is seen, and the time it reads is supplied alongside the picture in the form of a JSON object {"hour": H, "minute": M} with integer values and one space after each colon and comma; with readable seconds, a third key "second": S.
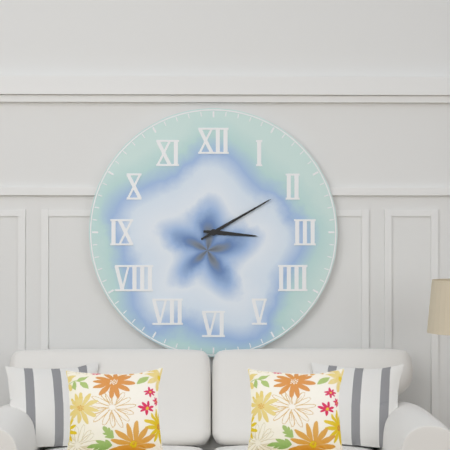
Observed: {"hour": 3, "minute": 10}
